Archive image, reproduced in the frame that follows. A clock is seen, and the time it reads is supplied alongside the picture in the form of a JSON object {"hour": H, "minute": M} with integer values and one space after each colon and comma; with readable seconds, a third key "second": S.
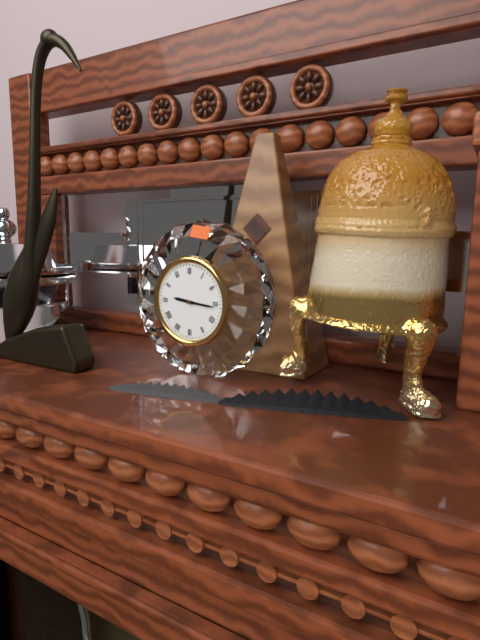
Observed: {"hour": 9, "minute": 16}
